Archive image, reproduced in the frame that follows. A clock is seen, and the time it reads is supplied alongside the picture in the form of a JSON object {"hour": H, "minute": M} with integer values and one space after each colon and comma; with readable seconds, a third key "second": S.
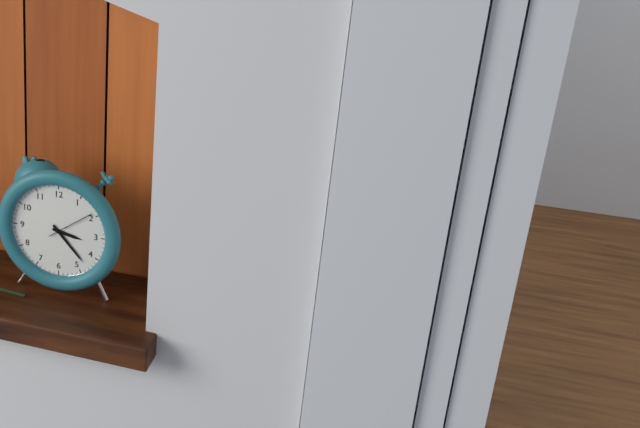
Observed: {"hour": 3, "minute": 23}
